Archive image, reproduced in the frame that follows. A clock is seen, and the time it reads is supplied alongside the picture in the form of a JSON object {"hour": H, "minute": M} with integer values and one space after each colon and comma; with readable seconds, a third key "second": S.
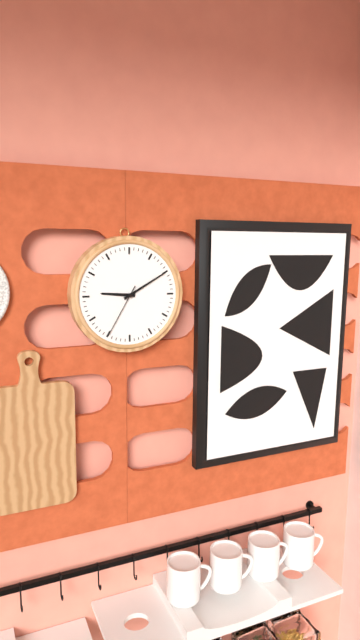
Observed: {"hour": 9, "minute": 10, "second": 35}
